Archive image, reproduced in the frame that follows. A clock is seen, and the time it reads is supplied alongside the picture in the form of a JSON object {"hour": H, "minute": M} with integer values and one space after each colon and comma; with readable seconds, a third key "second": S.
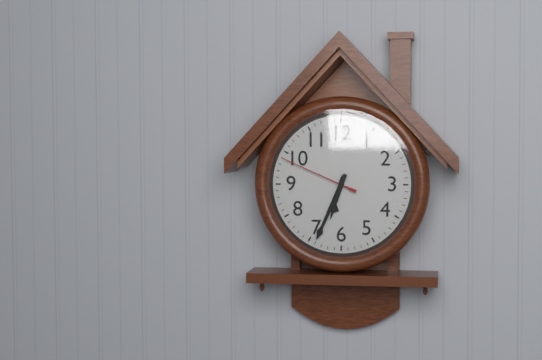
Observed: {"hour": 6, "minute": 34, "second": 49}
